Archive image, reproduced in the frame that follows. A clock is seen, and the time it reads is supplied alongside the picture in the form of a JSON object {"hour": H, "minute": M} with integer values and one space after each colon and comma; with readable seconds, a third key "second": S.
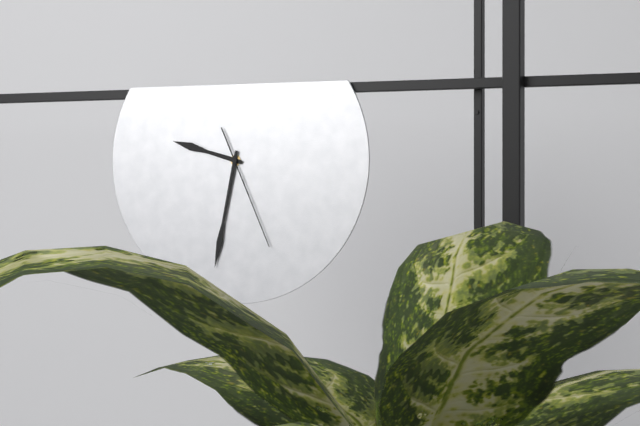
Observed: {"hour": 9, "minute": 32, "second": 26}
